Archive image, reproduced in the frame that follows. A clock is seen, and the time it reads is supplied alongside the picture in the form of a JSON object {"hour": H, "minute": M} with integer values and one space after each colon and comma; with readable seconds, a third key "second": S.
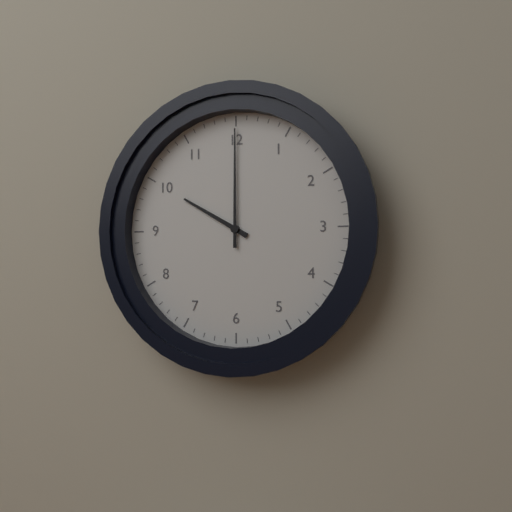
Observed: {"hour": 10, "minute": 0}
